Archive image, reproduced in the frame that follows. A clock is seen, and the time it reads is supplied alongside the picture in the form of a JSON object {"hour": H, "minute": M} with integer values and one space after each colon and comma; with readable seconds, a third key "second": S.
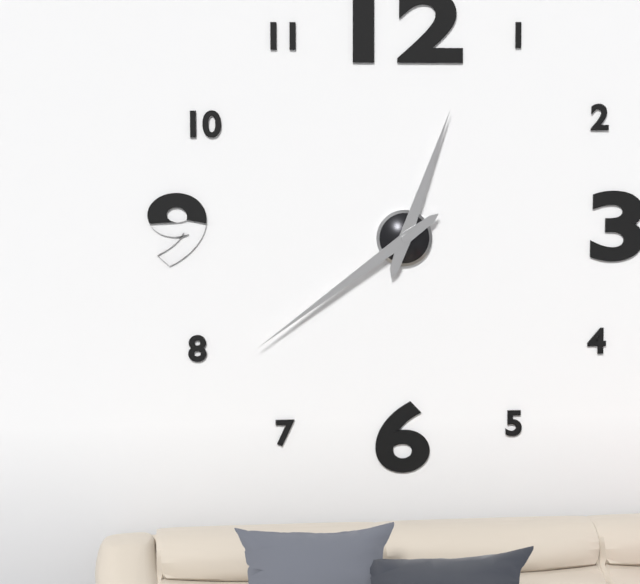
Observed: {"hour": 12, "minute": 39}
